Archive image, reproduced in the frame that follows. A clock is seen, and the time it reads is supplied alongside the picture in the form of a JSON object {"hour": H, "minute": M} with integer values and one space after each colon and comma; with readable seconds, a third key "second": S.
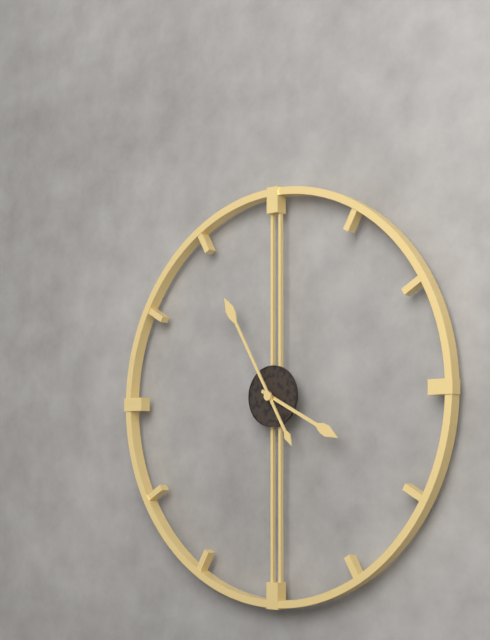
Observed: {"hour": 3, "minute": 55}
